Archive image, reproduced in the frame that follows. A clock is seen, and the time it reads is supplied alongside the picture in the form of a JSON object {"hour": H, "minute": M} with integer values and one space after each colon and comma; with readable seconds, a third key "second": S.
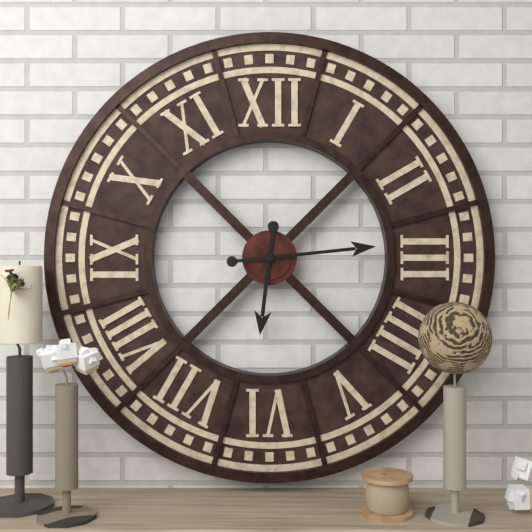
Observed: {"hour": 6, "minute": 14}
